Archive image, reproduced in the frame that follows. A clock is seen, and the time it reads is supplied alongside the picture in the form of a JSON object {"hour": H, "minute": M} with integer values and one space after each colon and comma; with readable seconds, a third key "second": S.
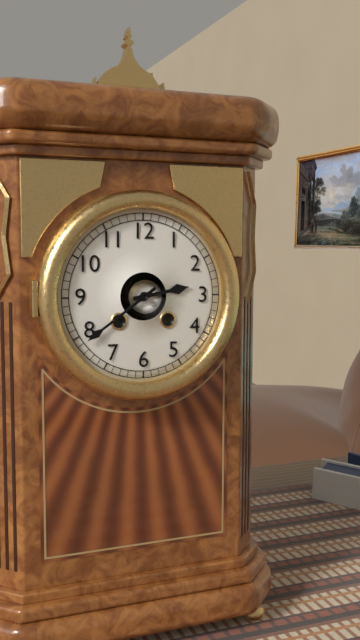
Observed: {"hour": 2, "minute": 39}
